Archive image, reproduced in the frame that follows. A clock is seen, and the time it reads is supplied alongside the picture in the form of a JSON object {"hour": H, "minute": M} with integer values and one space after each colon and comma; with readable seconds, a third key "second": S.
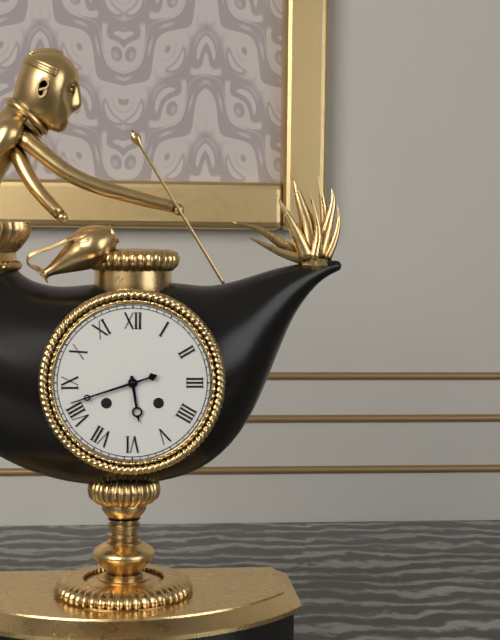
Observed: {"hour": 5, "minute": 42}
